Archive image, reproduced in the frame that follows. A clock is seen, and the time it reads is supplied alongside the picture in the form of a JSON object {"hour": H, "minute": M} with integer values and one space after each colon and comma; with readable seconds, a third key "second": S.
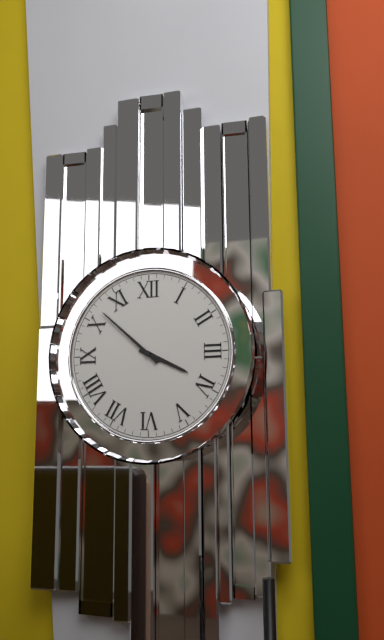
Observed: {"hour": 3, "minute": 52}
